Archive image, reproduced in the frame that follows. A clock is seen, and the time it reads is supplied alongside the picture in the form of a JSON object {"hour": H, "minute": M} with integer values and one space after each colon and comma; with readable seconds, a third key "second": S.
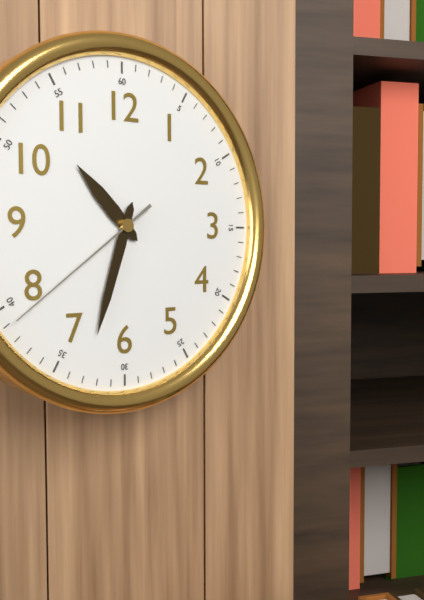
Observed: {"hour": 10, "minute": 33, "second": 39}
